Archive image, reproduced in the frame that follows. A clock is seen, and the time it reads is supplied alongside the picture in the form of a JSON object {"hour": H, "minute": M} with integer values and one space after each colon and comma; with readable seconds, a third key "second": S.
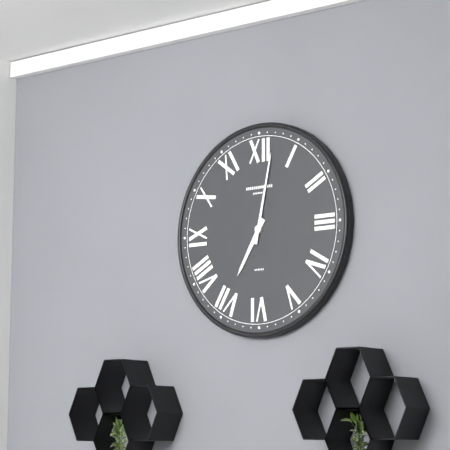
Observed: {"hour": 7, "minute": 2}
